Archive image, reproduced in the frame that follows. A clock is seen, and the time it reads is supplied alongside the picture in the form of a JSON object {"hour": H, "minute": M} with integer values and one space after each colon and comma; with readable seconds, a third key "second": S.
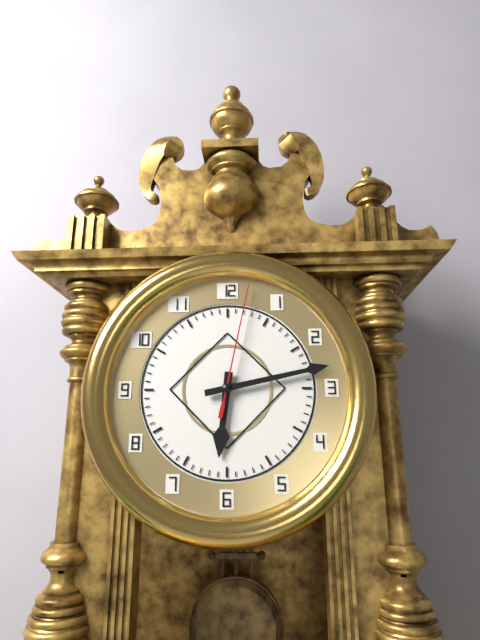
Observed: {"hour": 6, "minute": 13, "second": 2}
